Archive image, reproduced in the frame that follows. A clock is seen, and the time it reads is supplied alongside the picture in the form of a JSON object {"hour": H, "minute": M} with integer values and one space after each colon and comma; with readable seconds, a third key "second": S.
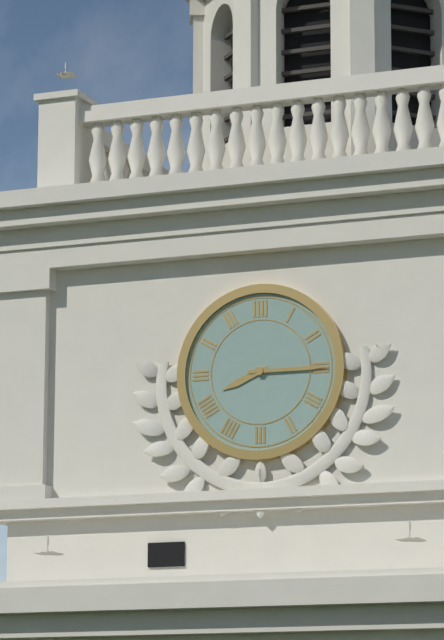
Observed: {"hour": 8, "minute": 15}
